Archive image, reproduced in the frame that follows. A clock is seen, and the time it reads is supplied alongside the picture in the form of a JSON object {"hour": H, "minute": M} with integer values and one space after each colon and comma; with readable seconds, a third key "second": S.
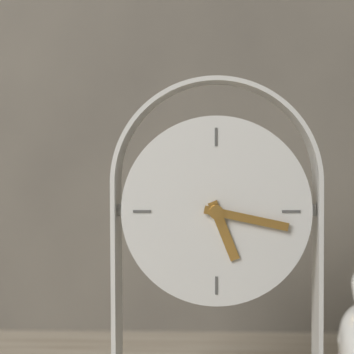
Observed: {"hour": 5, "minute": 17}
